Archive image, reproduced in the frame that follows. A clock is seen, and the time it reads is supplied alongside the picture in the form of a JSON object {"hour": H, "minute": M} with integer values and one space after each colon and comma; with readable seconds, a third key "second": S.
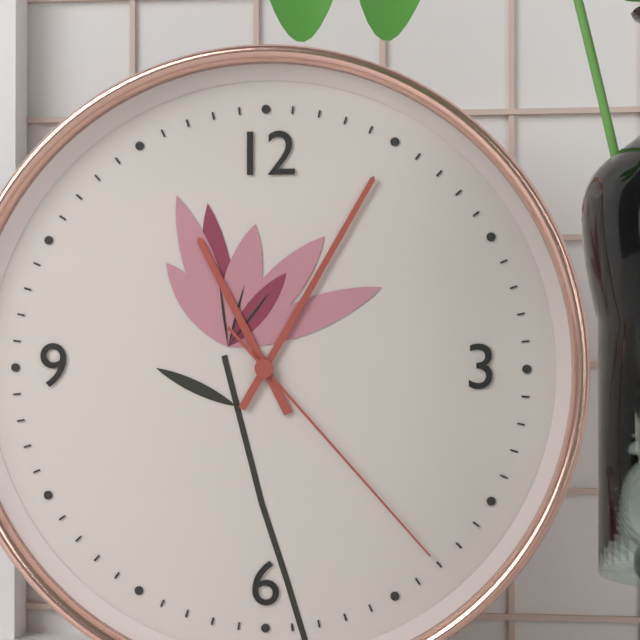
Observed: {"hour": 11, "minute": 5, "second": 23}
